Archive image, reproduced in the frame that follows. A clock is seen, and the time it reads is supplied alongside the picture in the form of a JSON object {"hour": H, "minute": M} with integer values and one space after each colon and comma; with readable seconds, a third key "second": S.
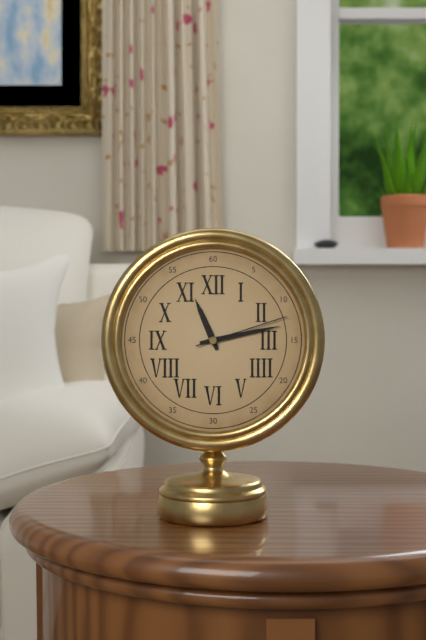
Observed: {"hour": 11, "minute": 13, "second": 12}
